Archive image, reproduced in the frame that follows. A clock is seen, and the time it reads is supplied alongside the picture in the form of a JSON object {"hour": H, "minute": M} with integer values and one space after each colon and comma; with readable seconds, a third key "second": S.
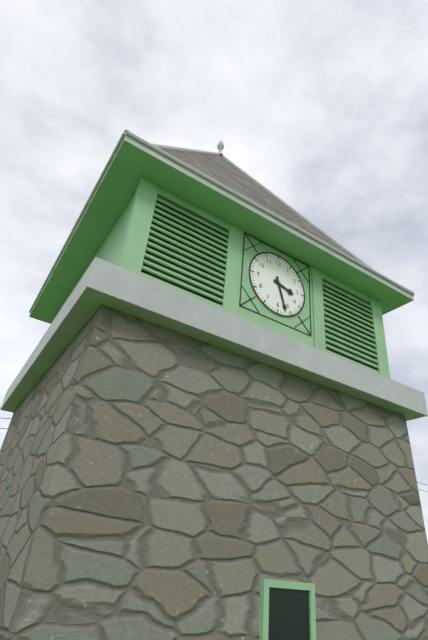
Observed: {"hour": 3, "minute": 27}
